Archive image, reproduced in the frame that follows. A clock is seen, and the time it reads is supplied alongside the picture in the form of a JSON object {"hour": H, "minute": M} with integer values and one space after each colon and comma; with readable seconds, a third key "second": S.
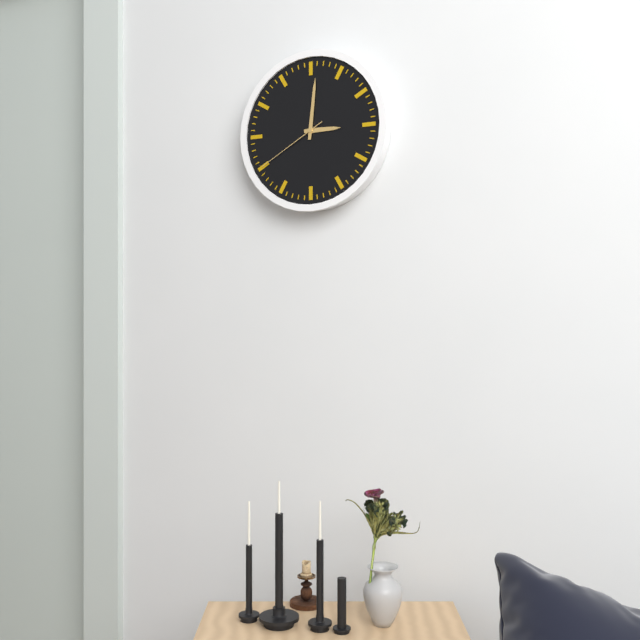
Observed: {"hour": 3, "minute": 1, "second": 40}
